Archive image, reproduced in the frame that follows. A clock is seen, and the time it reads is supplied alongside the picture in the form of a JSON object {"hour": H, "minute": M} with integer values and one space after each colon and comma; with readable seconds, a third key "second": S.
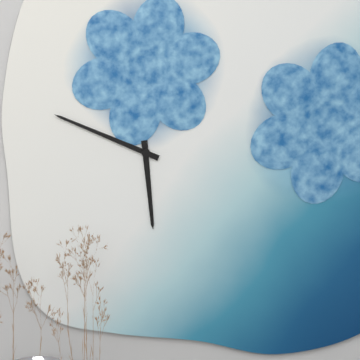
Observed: {"hour": 5, "minute": 49}
